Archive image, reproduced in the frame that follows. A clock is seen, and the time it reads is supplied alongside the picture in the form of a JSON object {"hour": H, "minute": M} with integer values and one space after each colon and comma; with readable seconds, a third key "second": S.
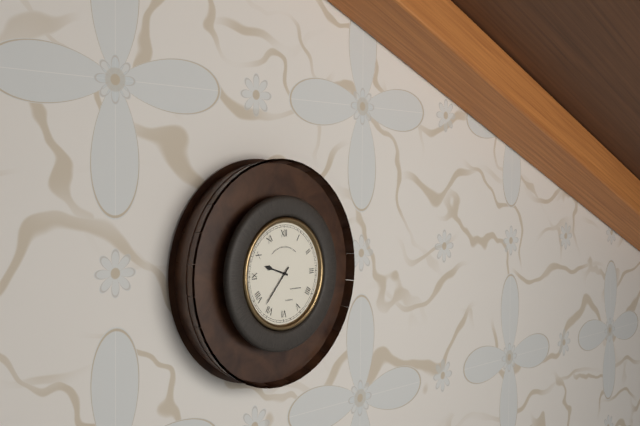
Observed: {"hour": 9, "minute": 37}
